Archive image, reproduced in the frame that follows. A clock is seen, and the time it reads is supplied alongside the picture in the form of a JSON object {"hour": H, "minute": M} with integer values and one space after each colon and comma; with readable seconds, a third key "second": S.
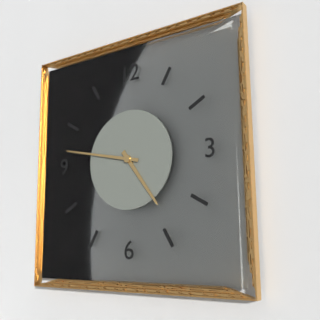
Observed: {"hour": 4, "minute": 47}
